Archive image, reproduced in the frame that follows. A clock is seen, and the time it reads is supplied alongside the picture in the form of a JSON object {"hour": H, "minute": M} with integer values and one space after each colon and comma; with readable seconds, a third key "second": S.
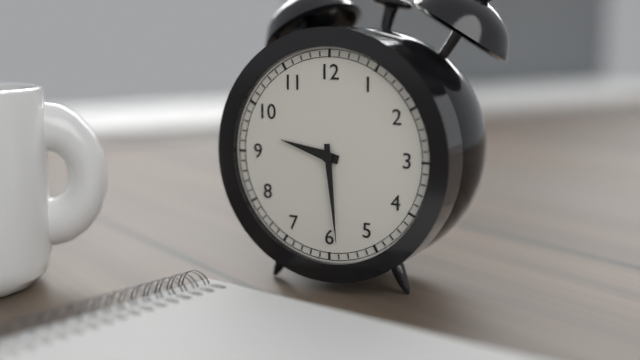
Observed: {"hour": 9, "minute": 29}
